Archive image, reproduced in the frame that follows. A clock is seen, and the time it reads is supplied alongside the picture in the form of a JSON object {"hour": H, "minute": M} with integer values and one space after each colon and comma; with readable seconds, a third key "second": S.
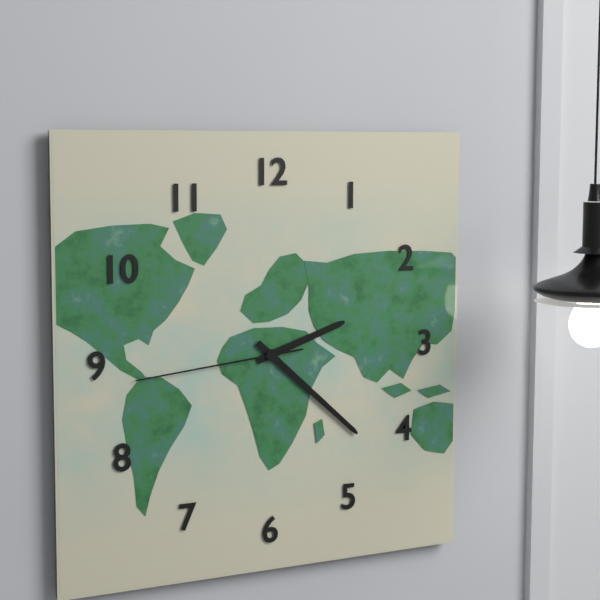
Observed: {"hour": 2, "minute": 22, "second": 44}
